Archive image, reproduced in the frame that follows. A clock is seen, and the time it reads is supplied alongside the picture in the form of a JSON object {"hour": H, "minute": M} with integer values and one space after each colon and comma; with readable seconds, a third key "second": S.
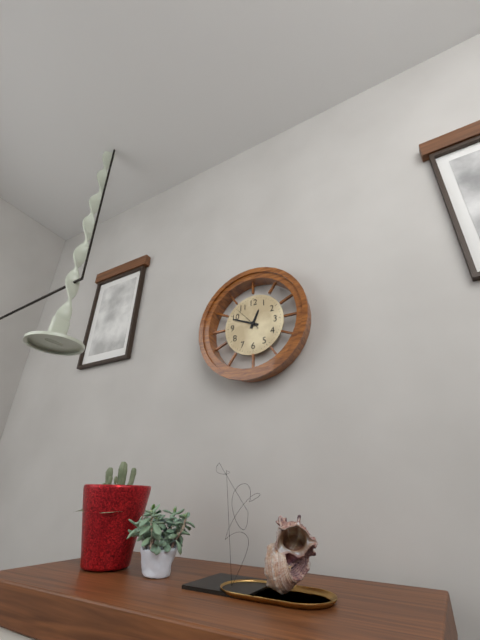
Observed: {"hour": 12, "minute": 49}
